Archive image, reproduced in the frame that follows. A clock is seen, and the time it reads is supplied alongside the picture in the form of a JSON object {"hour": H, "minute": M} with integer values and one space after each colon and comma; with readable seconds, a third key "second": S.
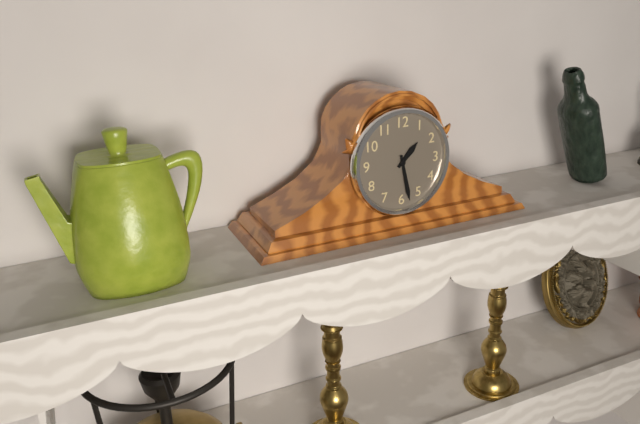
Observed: {"hour": 1, "minute": 28}
